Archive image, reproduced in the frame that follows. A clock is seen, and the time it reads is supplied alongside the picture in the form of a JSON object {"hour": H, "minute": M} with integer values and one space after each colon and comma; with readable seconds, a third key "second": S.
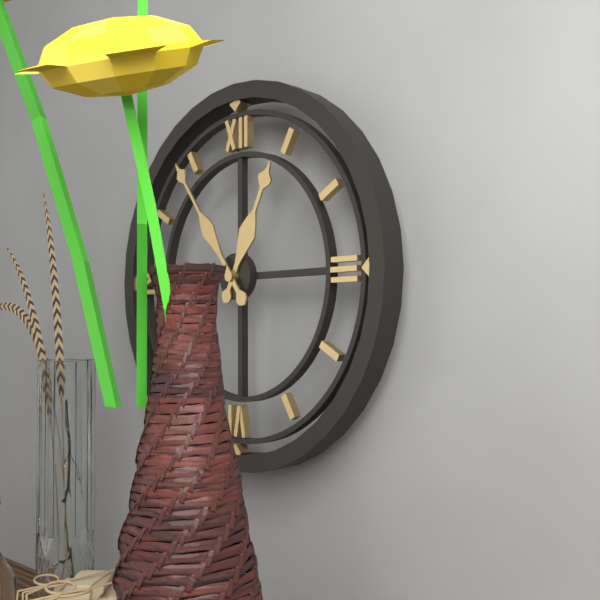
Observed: {"hour": 12, "minute": 54}
